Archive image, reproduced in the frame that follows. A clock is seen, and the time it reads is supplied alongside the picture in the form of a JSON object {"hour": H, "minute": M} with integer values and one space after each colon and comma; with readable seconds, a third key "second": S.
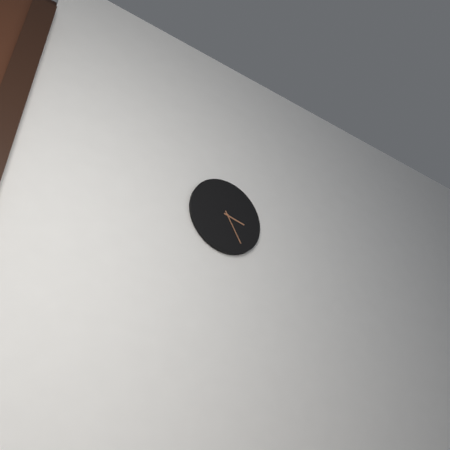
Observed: {"hour": 3, "minute": 25}
